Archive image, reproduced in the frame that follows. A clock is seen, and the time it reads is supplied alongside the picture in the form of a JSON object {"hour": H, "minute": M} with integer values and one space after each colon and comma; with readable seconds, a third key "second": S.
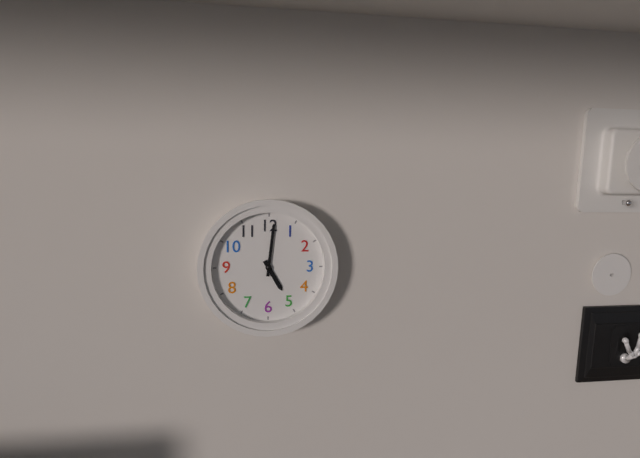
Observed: {"hour": 5, "minute": 1}
